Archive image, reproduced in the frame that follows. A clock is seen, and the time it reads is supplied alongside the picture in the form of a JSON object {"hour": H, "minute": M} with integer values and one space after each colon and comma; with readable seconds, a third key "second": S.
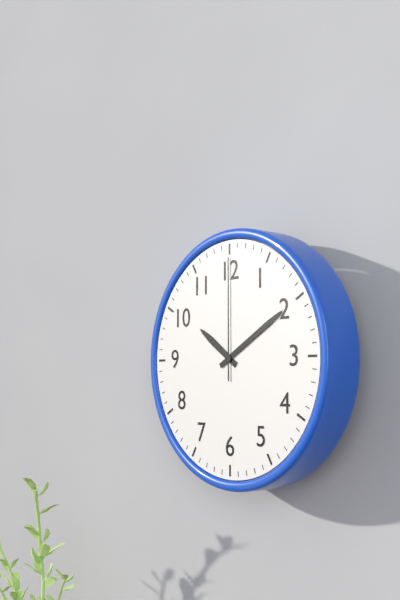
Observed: {"hour": 10, "minute": 10, "second": 0}
